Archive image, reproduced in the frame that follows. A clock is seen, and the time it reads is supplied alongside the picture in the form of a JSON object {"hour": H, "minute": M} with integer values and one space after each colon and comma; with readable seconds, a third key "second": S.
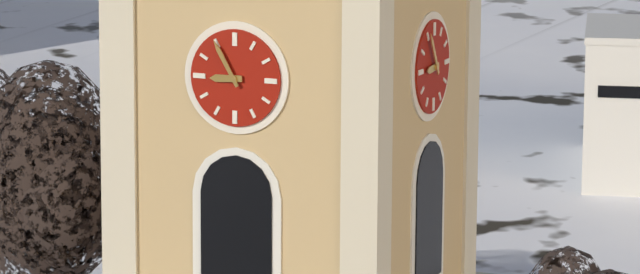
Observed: {"hour": 8, "minute": 55}
